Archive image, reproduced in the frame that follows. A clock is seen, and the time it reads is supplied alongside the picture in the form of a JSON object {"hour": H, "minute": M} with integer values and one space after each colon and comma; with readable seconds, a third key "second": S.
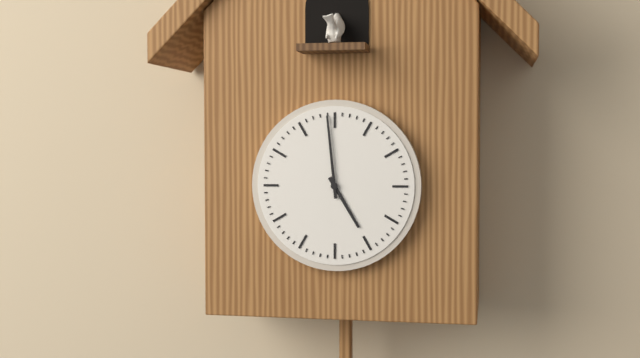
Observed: {"hour": 4, "minute": 59}
